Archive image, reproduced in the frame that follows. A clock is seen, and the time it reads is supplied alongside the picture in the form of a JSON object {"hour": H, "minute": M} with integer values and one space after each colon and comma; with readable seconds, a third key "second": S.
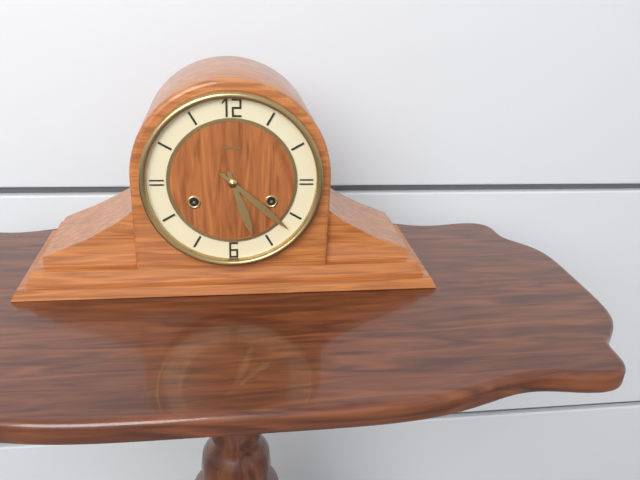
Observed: {"hour": 5, "minute": 22}
